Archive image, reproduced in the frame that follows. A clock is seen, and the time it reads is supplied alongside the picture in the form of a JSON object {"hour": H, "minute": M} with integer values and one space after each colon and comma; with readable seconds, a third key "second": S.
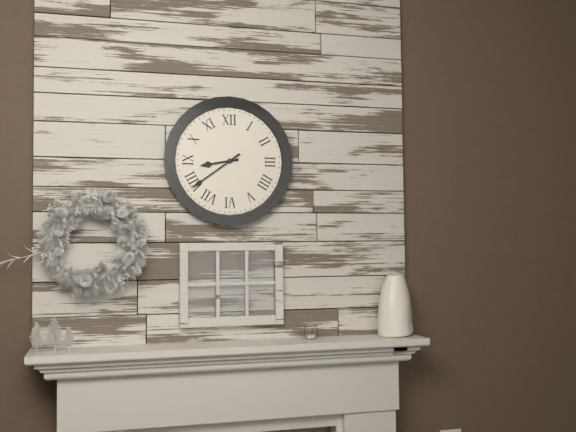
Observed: {"hour": 8, "minute": 39}
